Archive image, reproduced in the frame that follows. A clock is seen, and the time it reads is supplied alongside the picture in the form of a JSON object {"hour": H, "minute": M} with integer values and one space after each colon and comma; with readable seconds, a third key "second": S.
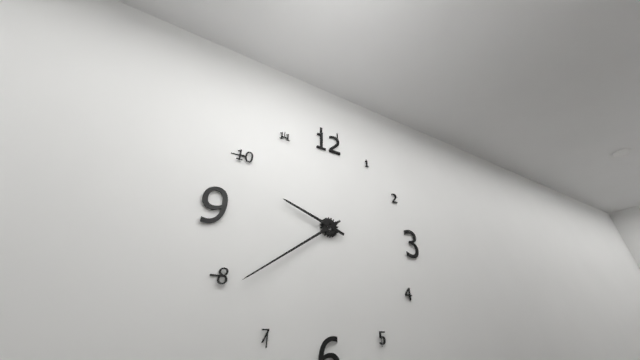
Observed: {"hour": 9, "minute": 39}
